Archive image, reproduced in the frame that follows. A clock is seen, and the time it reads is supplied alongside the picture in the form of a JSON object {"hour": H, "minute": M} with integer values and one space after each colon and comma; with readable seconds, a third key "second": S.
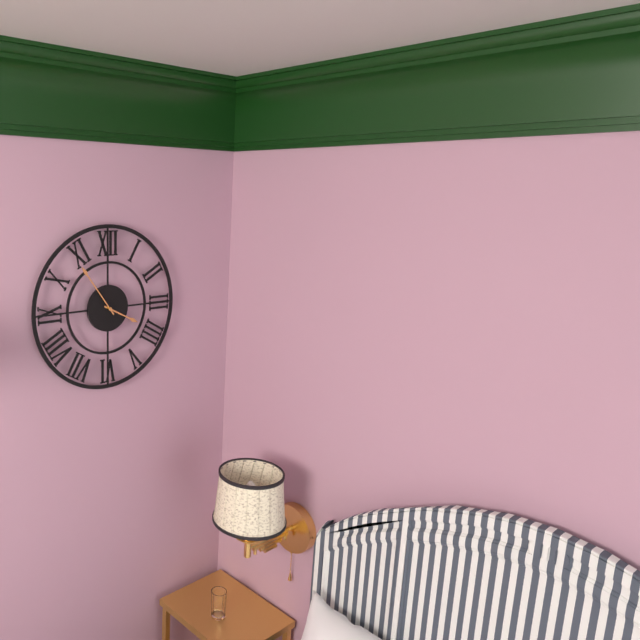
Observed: {"hour": 3, "minute": 54}
